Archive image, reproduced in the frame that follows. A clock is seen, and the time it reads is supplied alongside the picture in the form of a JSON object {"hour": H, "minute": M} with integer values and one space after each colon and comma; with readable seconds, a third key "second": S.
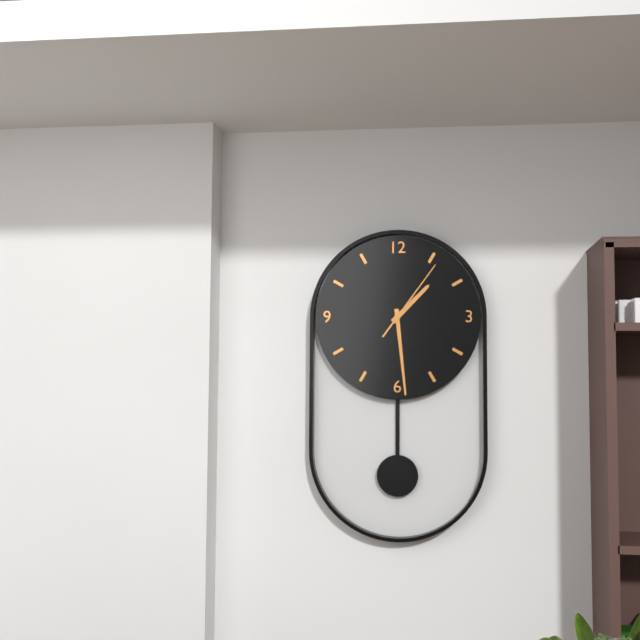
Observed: {"hour": 1, "minute": 29, "second": 6}
